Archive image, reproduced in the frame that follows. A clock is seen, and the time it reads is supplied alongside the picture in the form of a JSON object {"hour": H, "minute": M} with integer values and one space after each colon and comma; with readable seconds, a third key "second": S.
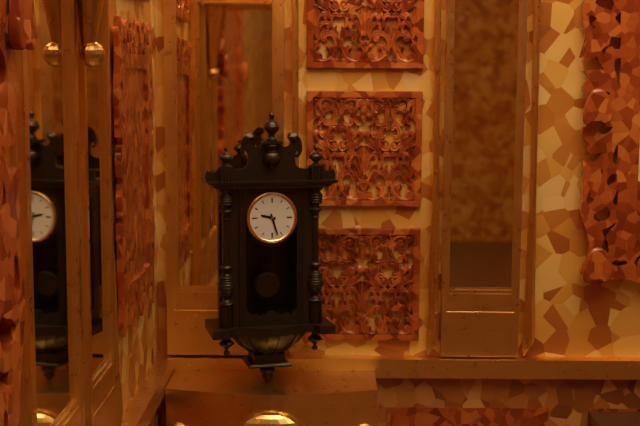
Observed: {"hour": 9, "minute": 27}
